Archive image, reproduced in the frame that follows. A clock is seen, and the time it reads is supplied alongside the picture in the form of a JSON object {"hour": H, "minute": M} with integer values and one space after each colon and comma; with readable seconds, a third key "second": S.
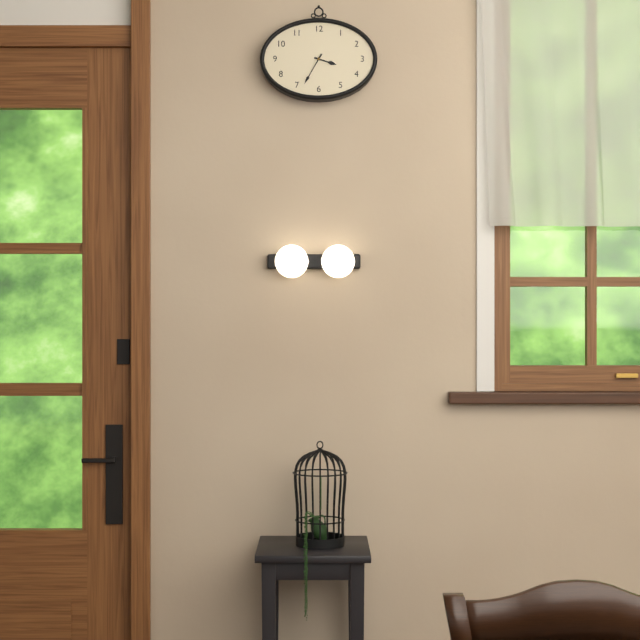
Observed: {"hour": 3, "minute": 35}
